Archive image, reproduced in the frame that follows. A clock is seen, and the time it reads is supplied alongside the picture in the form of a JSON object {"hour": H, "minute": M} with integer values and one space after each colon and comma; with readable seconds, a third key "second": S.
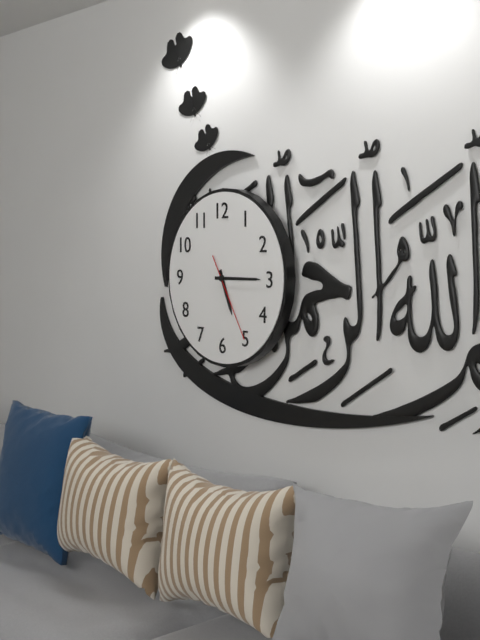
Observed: {"hour": 5, "minute": 15, "second": 25}
